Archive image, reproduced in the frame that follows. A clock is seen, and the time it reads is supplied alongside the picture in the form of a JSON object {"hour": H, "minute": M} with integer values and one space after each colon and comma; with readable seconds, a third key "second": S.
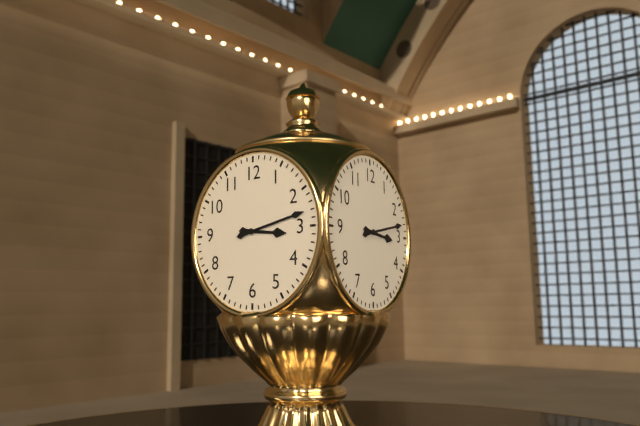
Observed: {"hour": 3, "minute": 13}
